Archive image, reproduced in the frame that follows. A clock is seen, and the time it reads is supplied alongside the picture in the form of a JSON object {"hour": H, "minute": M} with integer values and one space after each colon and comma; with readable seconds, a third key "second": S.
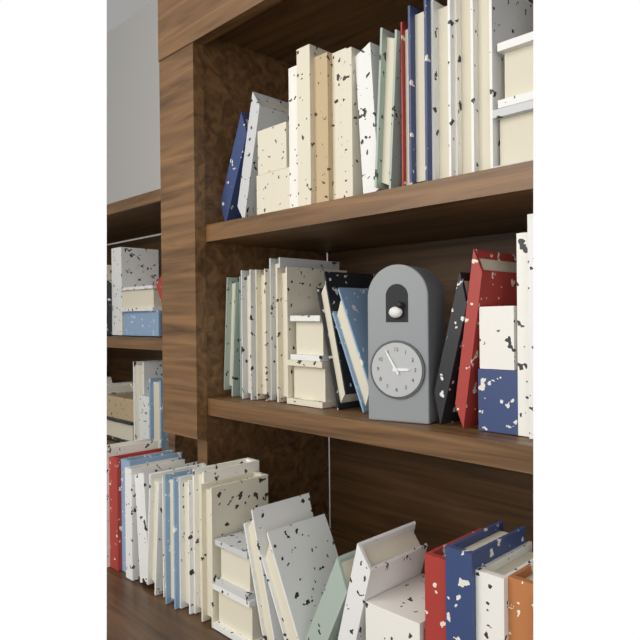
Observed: {"hour": 2, "minute": 55}
